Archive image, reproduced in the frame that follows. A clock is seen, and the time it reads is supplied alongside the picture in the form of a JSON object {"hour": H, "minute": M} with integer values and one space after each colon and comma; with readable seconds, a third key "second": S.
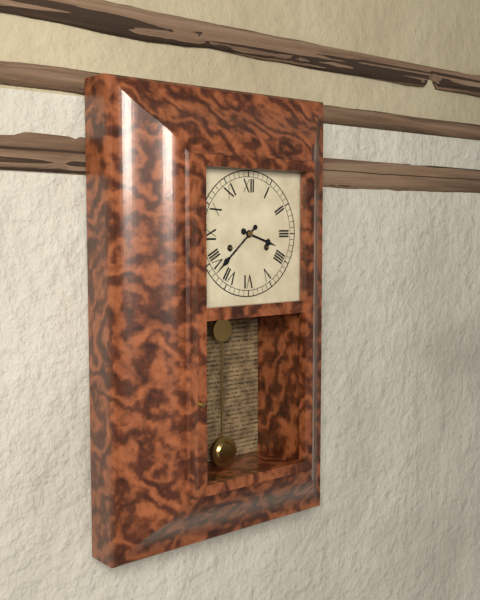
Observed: {"hour": 3, "minute": 38}
